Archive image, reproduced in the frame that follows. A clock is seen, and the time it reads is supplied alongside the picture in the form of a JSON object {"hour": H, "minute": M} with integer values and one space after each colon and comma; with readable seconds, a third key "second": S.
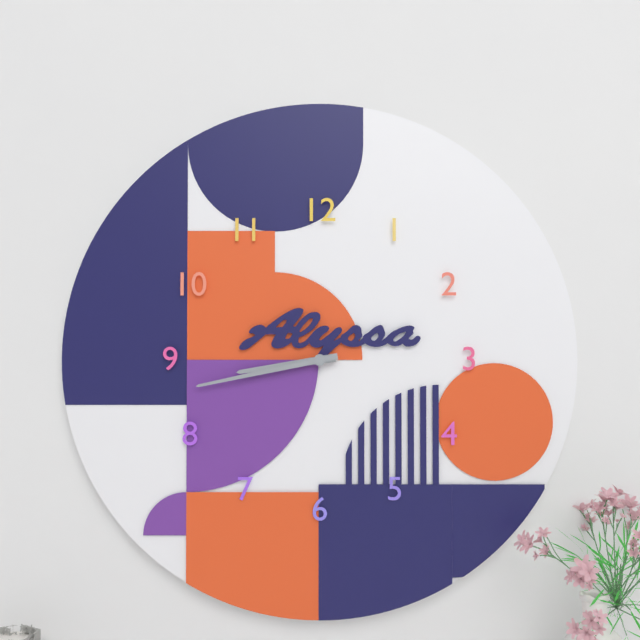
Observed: {"hour": 8, "minute": 43}
